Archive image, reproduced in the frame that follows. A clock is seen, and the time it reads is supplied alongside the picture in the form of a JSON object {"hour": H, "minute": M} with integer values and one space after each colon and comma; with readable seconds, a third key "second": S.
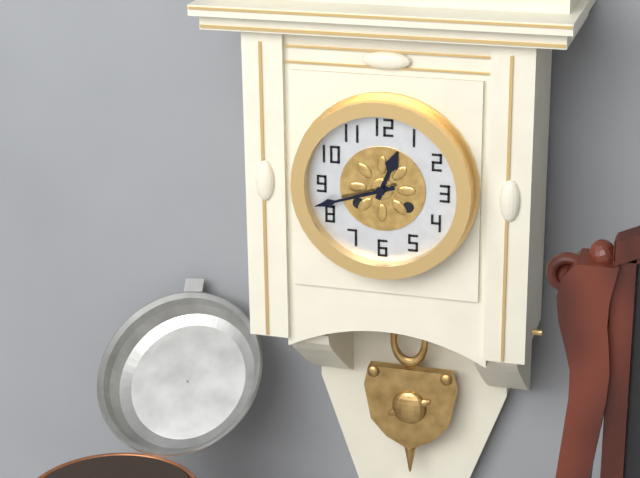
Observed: {"hour": 12, "minute": 42}
